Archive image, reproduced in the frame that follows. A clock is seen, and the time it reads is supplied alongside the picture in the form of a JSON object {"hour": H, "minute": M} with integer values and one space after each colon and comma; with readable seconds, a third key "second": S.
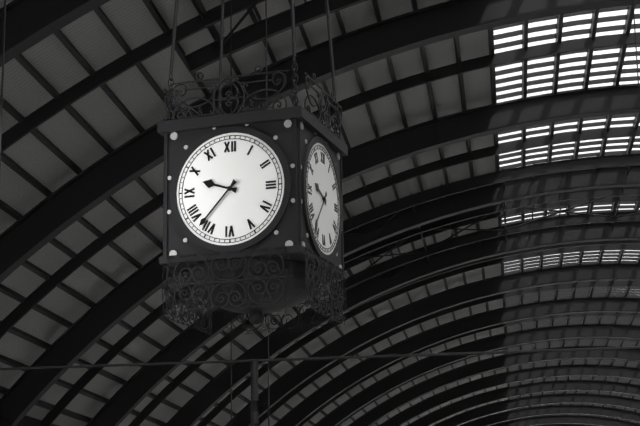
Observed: {"hour": 9, "minute": 37}
